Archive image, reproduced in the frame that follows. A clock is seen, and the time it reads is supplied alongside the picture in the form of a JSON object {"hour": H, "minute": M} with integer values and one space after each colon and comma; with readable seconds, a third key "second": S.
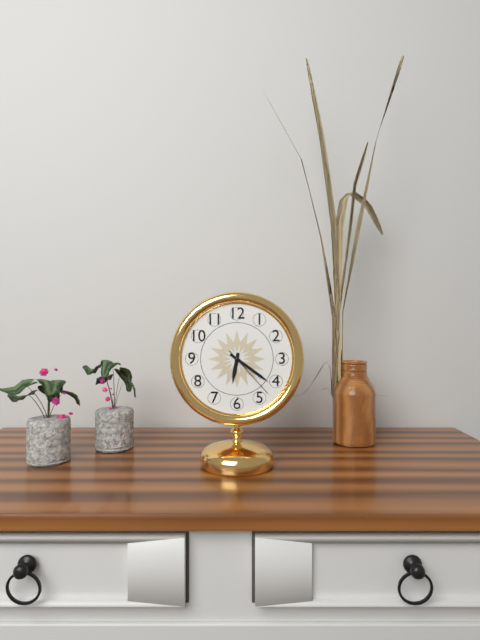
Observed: {"hour": 6, "minute": 21, "second": 23}
